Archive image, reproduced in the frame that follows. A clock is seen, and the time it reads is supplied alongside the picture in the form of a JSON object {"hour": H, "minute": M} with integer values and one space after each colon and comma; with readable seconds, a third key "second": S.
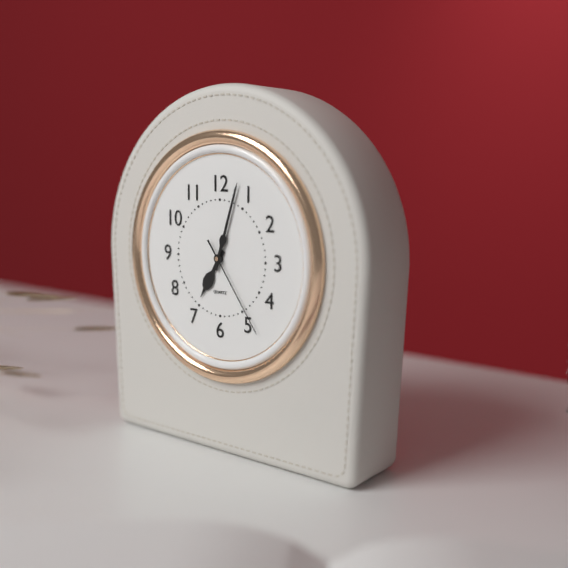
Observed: {"hour": 7, "minute": 3, "second": 24}
